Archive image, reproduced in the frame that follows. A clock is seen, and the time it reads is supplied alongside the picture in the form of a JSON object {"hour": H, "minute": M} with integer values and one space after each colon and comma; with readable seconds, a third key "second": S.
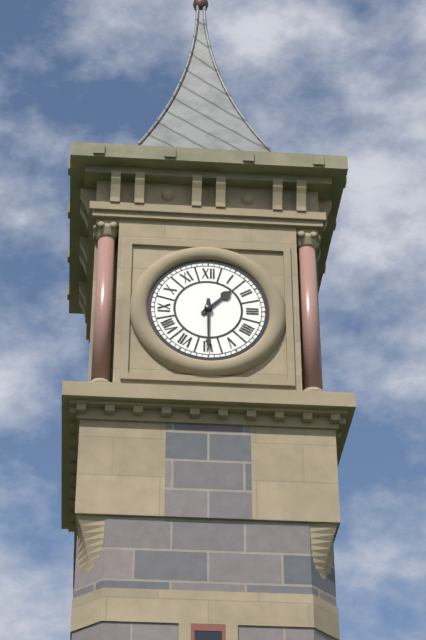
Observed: {"hour": 1, "minute": 30}
